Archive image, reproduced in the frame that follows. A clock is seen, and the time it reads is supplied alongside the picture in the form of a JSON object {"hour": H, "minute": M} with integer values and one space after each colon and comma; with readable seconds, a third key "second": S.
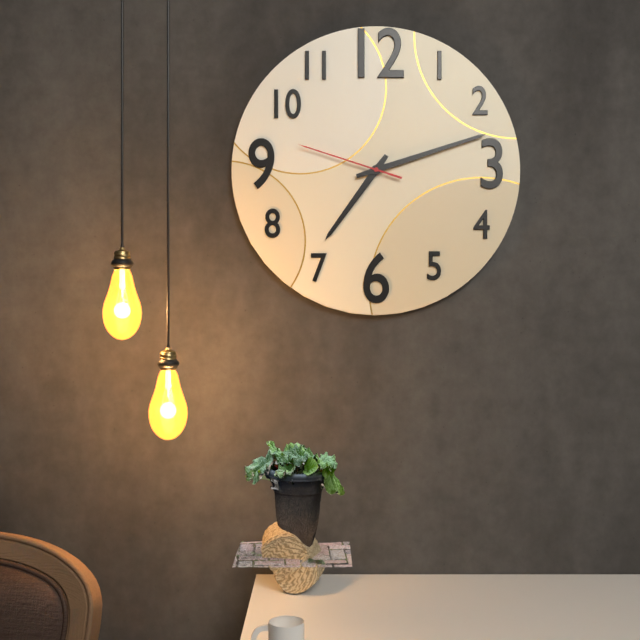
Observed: {"hour": 7, "minute": 12, "second": 48}
